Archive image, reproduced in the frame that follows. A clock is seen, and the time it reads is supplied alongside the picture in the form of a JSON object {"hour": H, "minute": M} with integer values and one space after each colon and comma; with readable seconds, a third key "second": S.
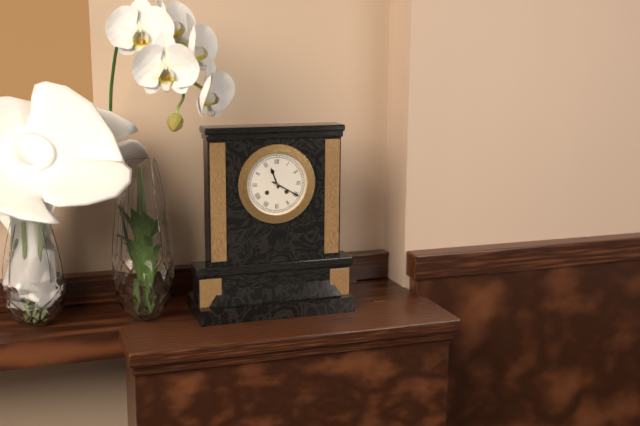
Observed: {"hour": 11, "minute": 20}
